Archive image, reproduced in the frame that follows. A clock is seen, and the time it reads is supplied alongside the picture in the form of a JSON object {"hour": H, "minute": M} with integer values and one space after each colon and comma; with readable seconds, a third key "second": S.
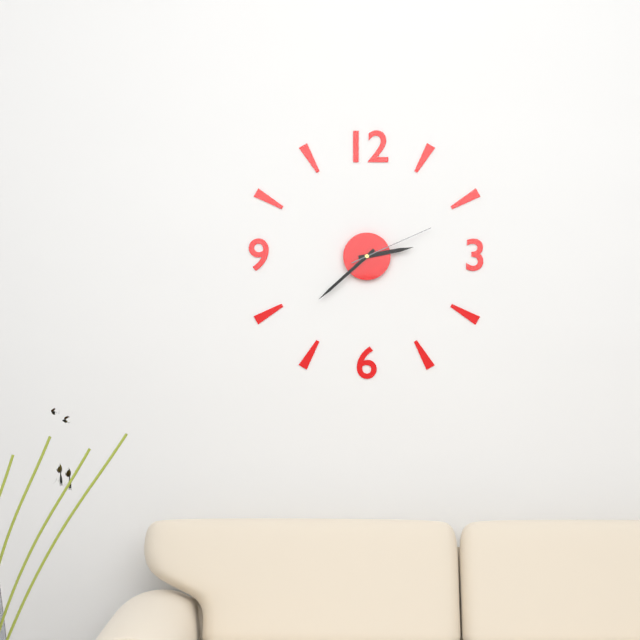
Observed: {"hour": 2, "minute": 38, "second": 11}
